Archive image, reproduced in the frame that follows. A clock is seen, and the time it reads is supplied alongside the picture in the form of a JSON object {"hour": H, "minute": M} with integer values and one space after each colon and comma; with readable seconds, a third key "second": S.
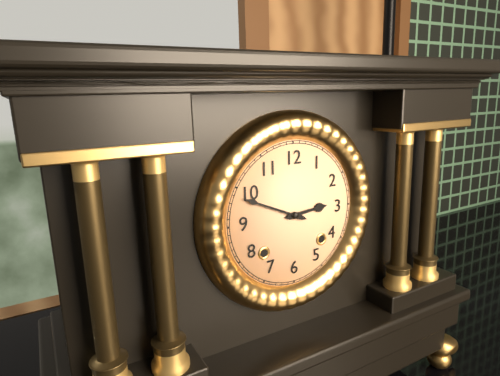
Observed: {"hour": 2, "minute": 49}
